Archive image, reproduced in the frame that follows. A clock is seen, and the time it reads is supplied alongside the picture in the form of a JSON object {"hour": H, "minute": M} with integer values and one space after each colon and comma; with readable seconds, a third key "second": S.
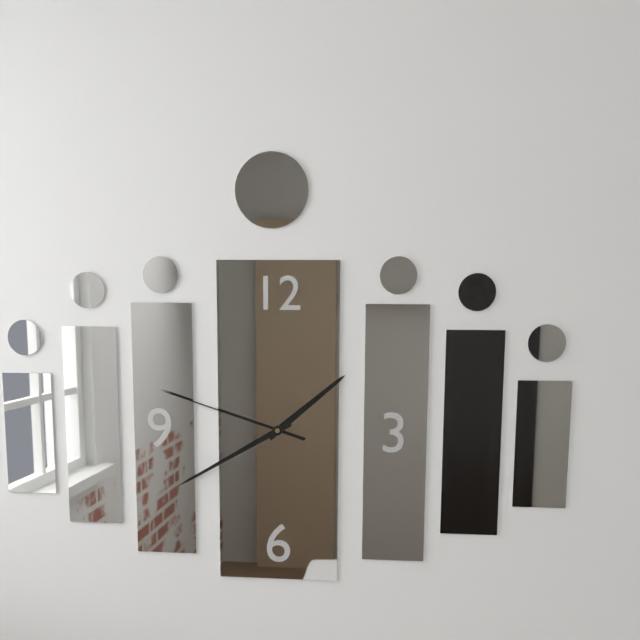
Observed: {"hour": 1, "minute": 40, "second": 48}
